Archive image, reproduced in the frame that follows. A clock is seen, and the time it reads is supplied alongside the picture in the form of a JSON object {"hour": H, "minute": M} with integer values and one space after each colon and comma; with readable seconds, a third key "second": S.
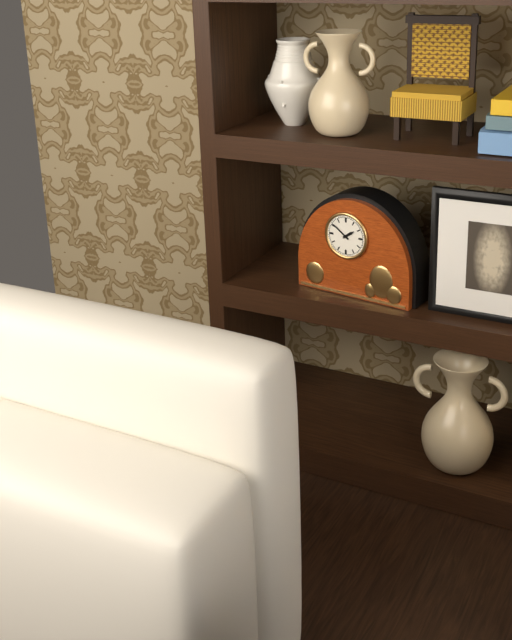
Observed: {"hour": 1, "minute": 51}
